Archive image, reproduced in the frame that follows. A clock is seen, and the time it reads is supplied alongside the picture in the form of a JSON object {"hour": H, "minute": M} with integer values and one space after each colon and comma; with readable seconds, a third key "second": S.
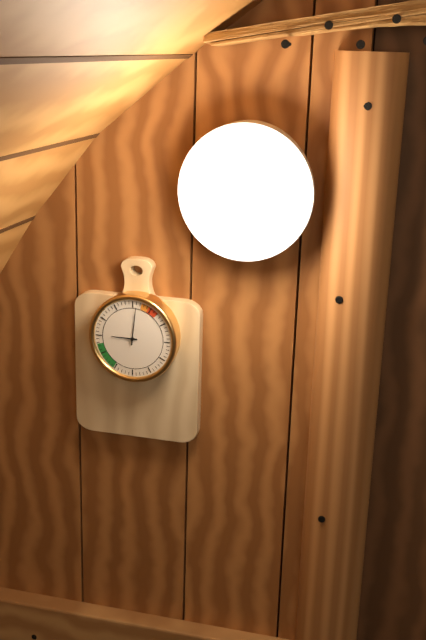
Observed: {"hour": 9, "minute": 1}
